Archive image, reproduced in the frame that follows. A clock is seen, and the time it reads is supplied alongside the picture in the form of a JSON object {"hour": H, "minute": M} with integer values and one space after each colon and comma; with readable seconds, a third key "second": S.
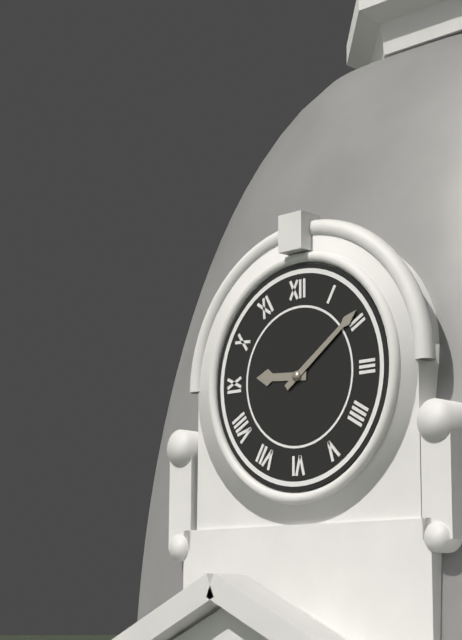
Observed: {"hour": 9, "minute": 9}
